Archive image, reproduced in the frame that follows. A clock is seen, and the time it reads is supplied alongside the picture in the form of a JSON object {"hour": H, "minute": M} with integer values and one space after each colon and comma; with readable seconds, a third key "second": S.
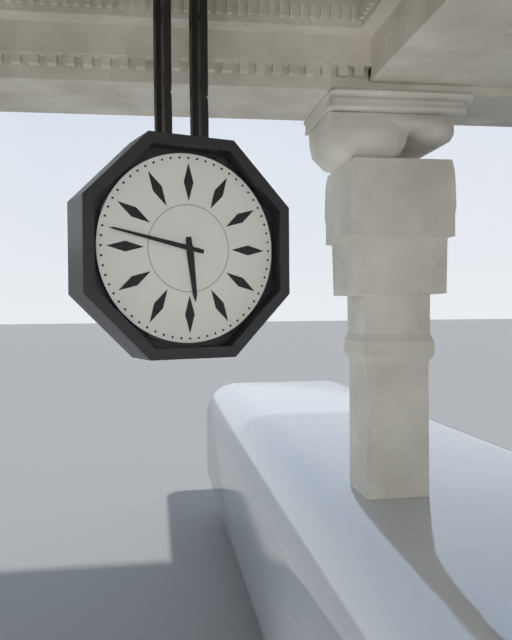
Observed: {"hour": 5, "minute": 47}
